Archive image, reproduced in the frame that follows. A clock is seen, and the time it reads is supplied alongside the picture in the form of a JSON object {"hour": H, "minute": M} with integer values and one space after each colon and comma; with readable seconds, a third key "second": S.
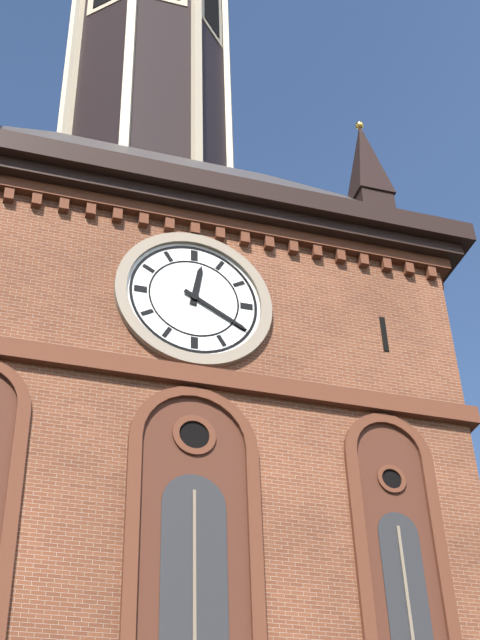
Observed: {"hour": 12, "minute": 20}
